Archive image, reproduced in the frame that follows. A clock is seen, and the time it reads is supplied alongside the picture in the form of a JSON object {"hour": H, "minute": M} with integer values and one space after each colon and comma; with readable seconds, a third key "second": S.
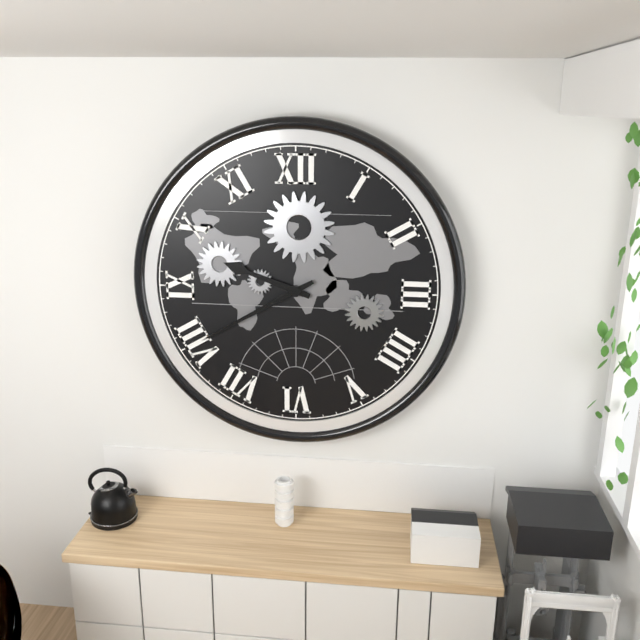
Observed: {"hour": 9, "minute": 40}
